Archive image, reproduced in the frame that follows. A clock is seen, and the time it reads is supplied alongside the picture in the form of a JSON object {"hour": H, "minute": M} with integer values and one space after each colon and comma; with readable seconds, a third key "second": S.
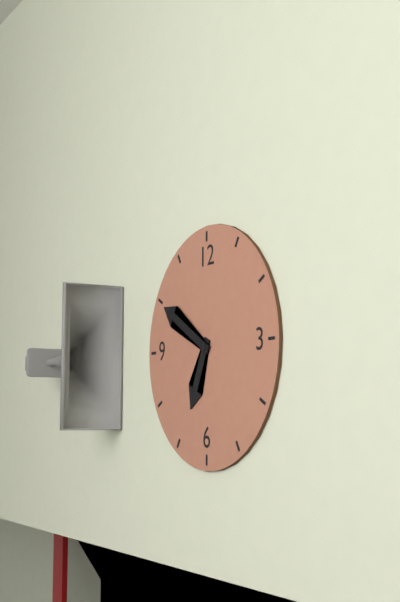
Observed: {"hour": 6, "minute": 50}
